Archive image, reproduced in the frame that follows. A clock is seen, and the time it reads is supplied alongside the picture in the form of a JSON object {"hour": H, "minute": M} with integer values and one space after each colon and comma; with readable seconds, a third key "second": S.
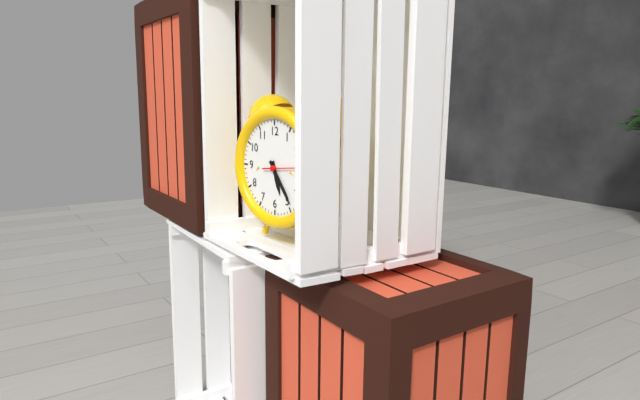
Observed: {"hour": 5, "minute": 24}
